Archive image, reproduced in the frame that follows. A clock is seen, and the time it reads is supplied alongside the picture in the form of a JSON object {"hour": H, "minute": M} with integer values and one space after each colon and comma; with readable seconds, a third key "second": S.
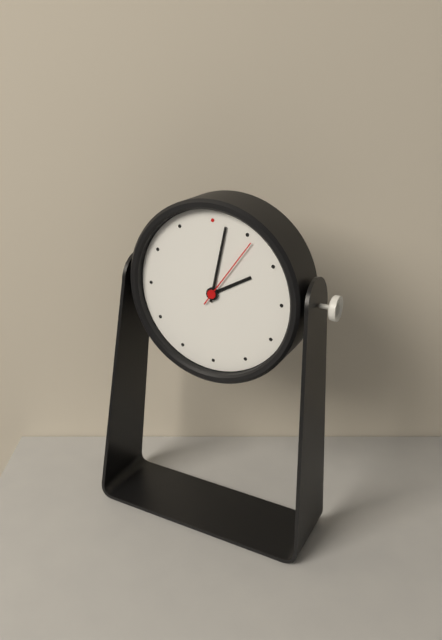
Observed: {"hour": 2, "minute": 2, "second": 6}
